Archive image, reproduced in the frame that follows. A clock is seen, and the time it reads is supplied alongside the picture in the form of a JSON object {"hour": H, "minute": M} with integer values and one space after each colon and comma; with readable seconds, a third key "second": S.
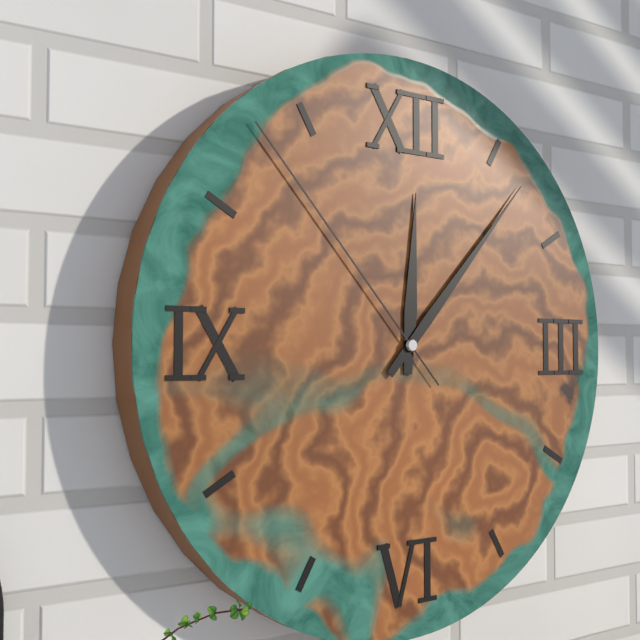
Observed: {"hour": 12, "minute": 7, "second": 53}
